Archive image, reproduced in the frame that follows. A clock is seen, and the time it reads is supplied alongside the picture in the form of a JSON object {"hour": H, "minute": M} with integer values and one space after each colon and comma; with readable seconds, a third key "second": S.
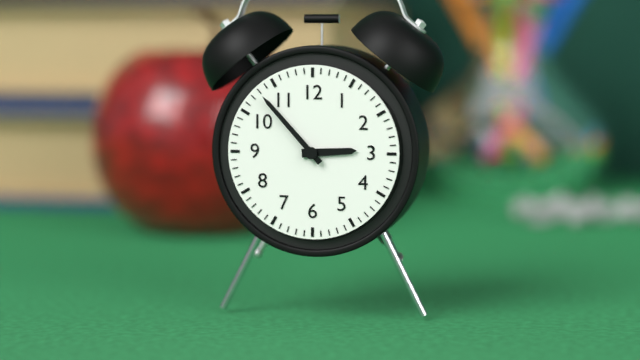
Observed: {"hour": 2, "minute": 53}
